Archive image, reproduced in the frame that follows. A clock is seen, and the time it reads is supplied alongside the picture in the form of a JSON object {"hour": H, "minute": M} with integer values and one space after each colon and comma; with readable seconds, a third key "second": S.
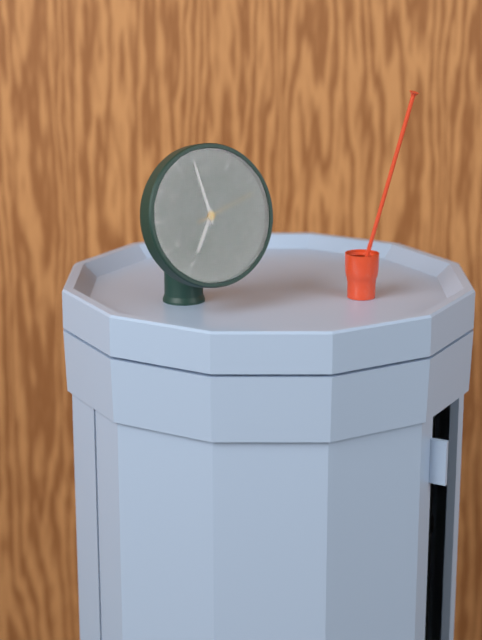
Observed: {"hour": 6, "minute": 58, "second": 12}
